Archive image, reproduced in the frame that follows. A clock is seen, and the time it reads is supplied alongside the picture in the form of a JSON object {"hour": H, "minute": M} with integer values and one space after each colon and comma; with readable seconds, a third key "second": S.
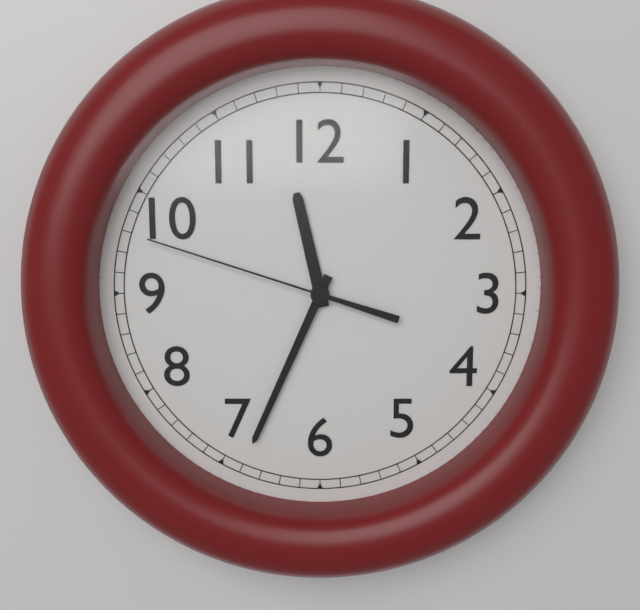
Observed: {"hour": 11, "minute": 34, "second": 48}
